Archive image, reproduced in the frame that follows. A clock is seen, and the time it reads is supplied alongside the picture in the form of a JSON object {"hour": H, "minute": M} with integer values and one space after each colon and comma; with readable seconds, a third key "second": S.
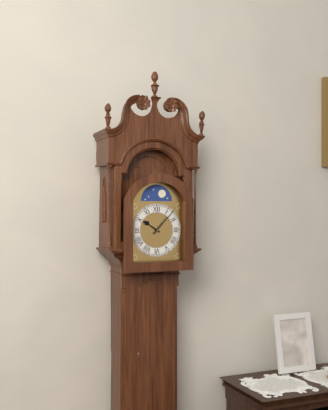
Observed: {"hour": 10, "minute": 7}
